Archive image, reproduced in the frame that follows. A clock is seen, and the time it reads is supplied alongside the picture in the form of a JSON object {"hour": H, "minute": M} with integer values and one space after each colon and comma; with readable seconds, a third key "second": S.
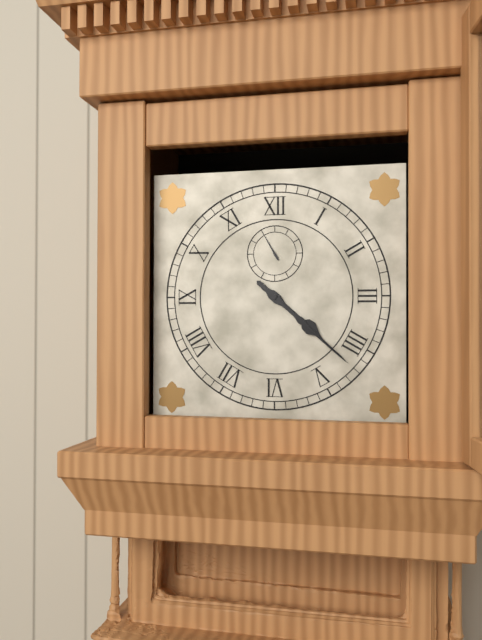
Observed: {"hour": 4, "minute": 22}
